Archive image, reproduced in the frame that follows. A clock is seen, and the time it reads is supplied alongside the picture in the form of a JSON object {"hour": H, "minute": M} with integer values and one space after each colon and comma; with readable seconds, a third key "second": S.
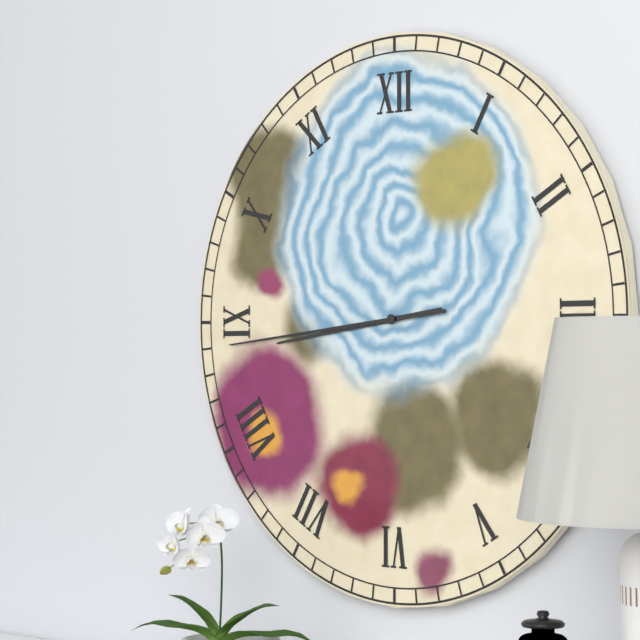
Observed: {"hour": 8, "minute": 44}
